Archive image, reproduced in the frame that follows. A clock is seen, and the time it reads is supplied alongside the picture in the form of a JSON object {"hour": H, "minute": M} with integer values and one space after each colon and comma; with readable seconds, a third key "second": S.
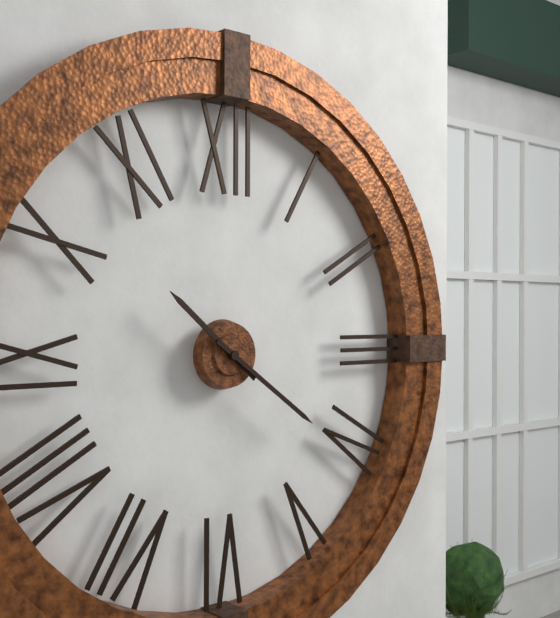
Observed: {"hour": 10, "minute": 21}
